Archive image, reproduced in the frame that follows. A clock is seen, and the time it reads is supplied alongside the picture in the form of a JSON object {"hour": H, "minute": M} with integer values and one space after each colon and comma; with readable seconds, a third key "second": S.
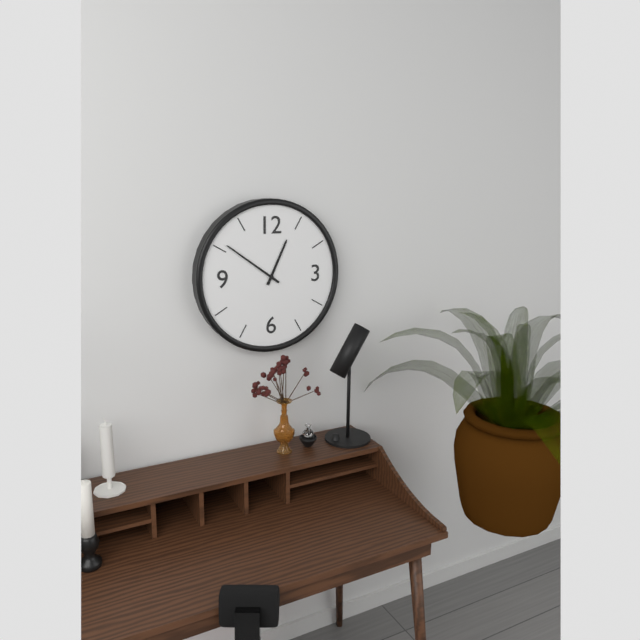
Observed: {"hour": 12, "minute": 51}
